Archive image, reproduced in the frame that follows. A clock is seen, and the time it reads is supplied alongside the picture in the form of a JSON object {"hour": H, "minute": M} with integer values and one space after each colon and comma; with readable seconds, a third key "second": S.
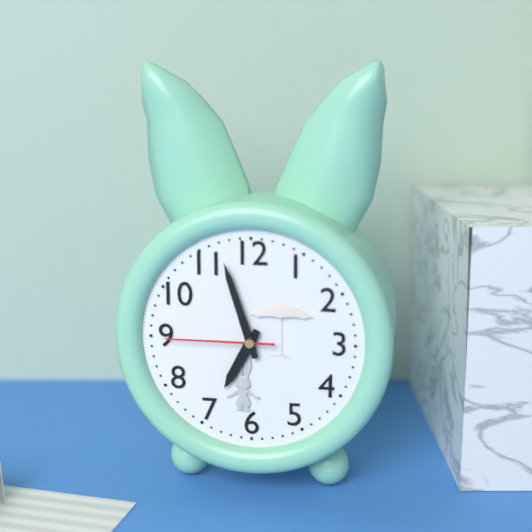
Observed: {"hour": 6, "minute": 57, "second": 45}
